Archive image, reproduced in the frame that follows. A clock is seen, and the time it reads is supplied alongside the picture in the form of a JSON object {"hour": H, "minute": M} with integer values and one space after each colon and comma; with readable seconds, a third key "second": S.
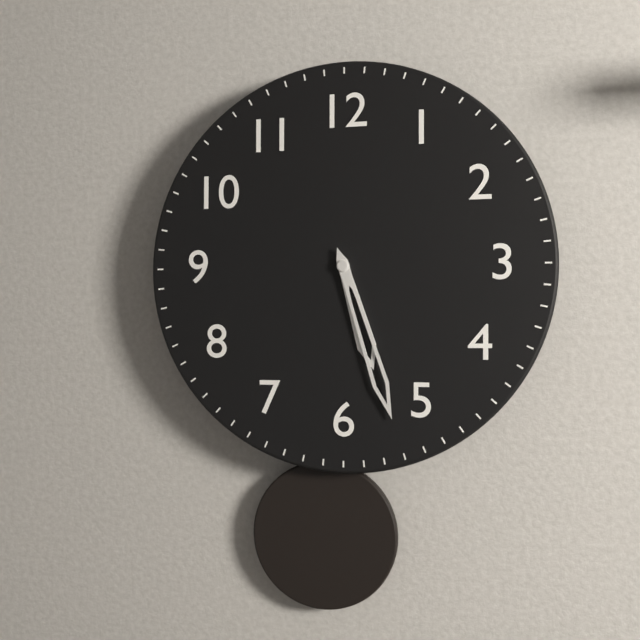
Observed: {"hour": 5, "minute": 27}
